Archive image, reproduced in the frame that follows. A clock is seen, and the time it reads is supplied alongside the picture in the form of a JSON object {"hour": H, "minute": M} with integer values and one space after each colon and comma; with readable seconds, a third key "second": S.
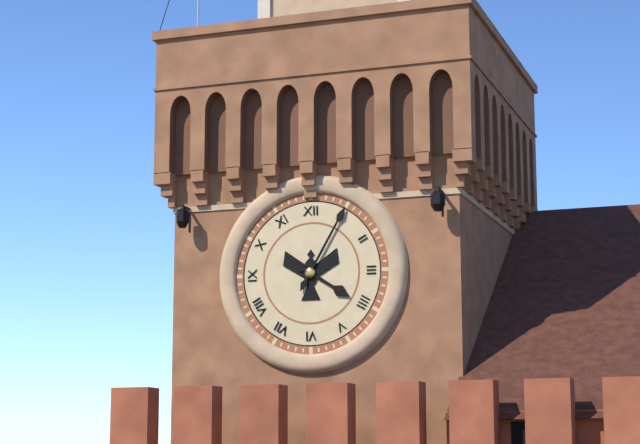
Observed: {"hour": 4, "minute": 5}
